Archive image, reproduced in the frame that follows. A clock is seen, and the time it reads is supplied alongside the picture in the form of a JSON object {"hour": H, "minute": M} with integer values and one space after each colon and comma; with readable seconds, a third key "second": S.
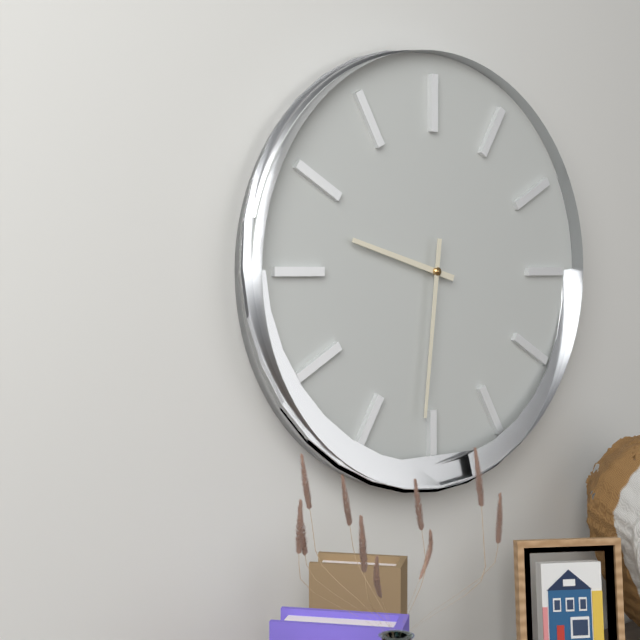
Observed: {"hour": 9, "minute": 31}
